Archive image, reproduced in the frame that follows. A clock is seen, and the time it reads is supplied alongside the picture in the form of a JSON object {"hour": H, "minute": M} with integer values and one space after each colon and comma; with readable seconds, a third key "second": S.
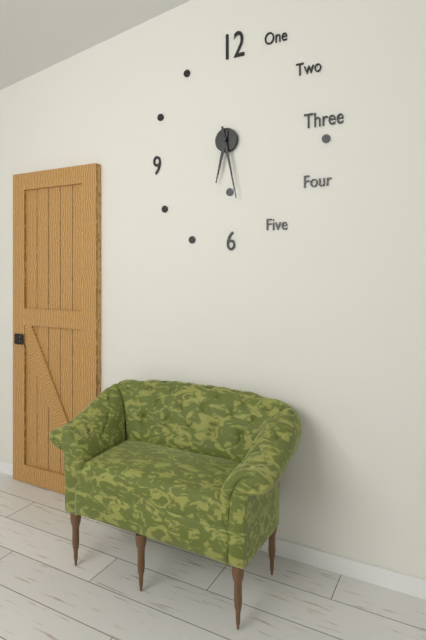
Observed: {"hour": 6, "minute": 28}
